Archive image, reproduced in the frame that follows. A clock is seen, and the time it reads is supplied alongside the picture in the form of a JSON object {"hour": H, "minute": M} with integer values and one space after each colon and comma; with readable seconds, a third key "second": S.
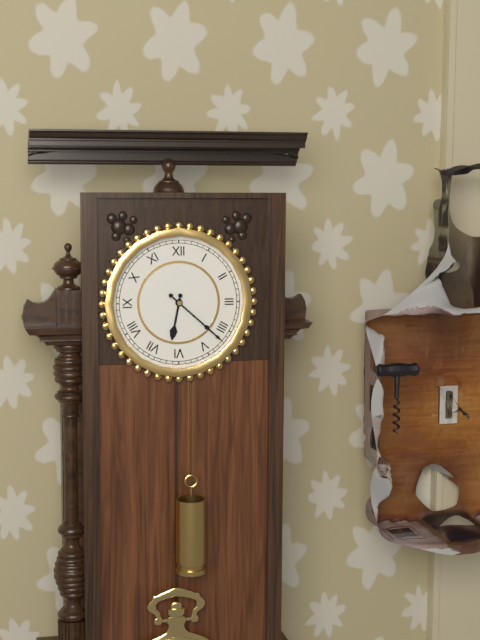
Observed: {"hour": 6, "minute": 22}
